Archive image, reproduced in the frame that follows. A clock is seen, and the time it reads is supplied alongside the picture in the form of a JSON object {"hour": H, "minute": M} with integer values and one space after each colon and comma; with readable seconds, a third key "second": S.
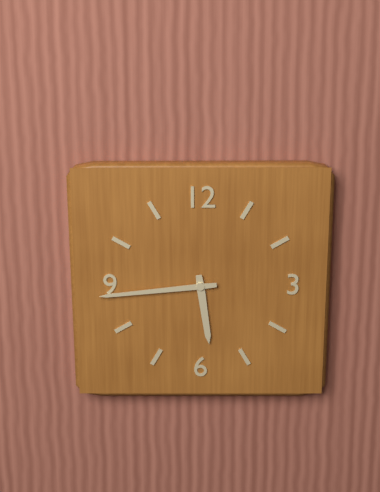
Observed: {"hour": 5, "minute": 44}
